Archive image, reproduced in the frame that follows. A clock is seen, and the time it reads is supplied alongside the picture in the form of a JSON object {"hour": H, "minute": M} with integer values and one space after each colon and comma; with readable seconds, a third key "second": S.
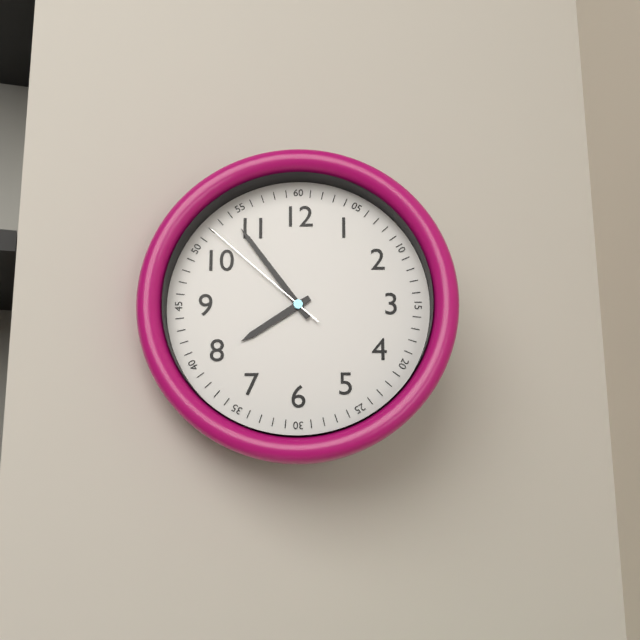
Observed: {"hour": 7, "minute": 54, "second": 52}
